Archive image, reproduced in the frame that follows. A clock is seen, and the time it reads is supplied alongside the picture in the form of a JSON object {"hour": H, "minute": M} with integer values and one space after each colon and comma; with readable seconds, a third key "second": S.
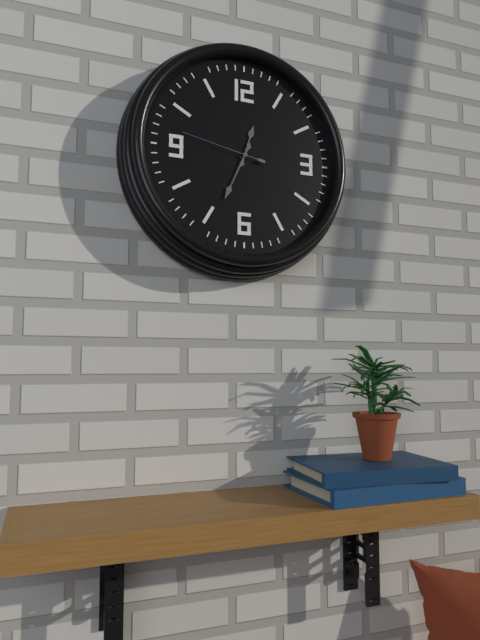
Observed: {"hour": 12, "minute": 34, "second": 47}
